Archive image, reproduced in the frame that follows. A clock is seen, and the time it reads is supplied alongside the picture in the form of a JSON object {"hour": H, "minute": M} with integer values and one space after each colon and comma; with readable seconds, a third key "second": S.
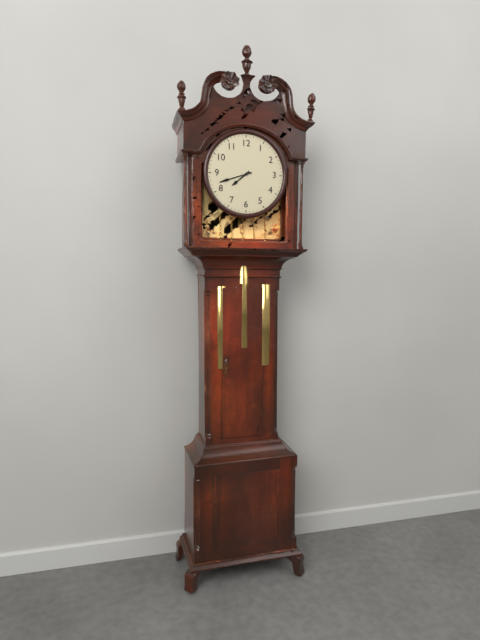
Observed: {"hour": 7, "minute": 42}
